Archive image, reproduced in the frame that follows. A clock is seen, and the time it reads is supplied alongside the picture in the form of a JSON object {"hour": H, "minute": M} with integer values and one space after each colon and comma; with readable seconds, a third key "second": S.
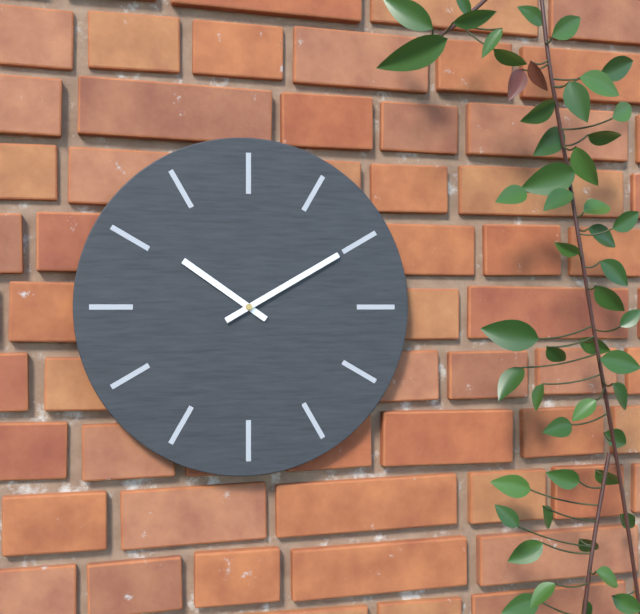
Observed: {"hour": 10, "minute": 10}
